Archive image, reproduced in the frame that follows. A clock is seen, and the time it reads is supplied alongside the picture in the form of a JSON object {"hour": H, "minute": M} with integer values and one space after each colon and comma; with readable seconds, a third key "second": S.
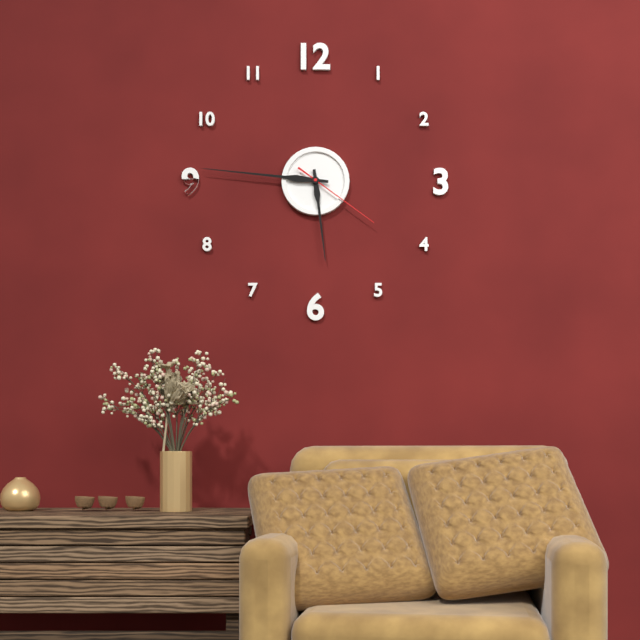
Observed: {"hour": 5, "minute": 46, "second": 21}
